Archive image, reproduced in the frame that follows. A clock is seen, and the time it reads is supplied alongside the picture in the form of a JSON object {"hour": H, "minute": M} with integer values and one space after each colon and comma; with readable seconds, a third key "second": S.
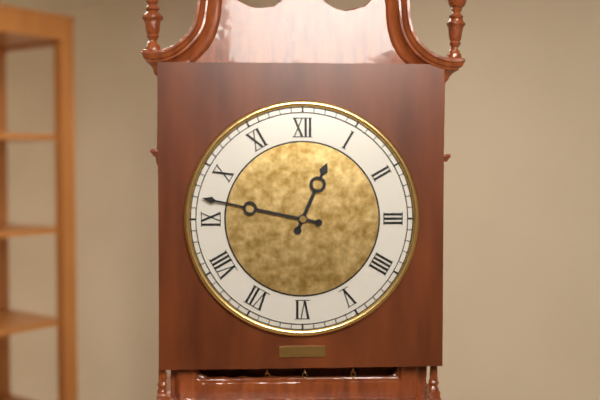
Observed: {"hour": 12, "minute": 47}
